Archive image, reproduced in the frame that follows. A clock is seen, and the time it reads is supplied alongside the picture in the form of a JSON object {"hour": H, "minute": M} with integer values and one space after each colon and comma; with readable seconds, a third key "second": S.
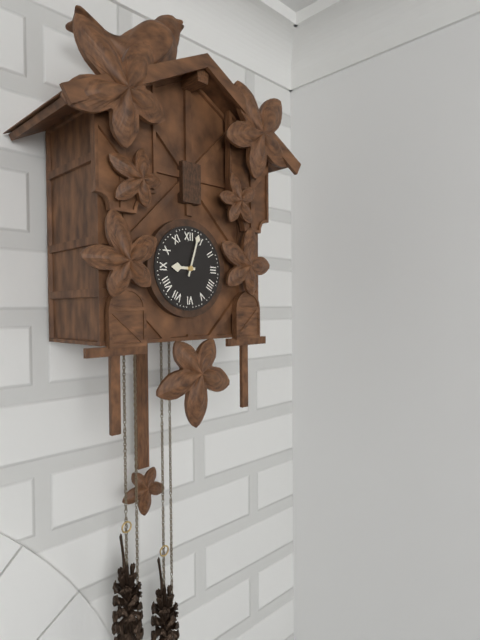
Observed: {"hour": 9, "minute": 3}
